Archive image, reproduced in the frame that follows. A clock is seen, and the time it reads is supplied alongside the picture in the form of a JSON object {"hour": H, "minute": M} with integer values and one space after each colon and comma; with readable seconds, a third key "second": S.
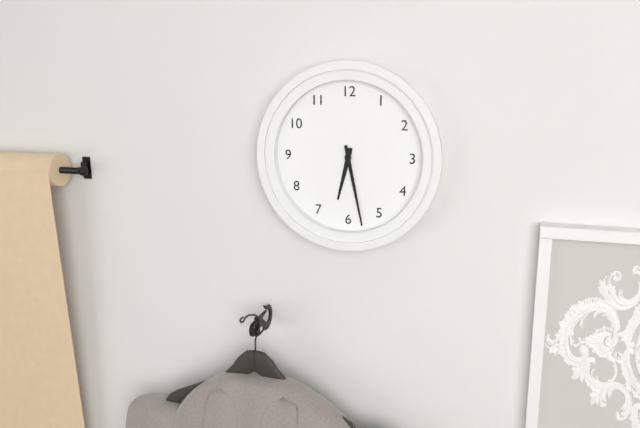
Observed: {"hour": 6, "minute": 28}
